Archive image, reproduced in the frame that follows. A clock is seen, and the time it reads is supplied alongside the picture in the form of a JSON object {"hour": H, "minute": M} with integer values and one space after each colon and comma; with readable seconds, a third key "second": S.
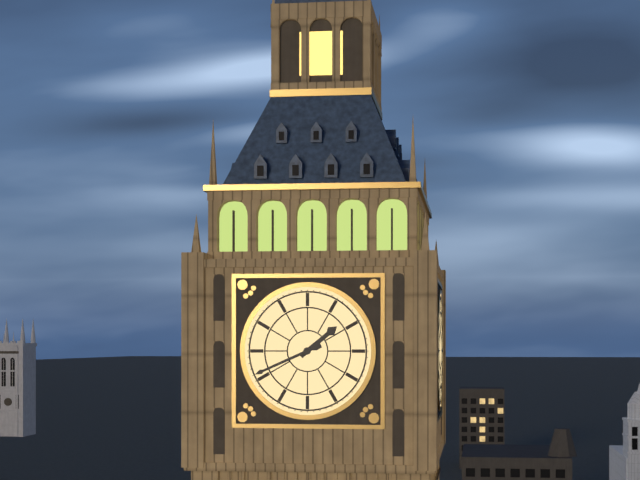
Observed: {"hour": 1, "minute": 41}
